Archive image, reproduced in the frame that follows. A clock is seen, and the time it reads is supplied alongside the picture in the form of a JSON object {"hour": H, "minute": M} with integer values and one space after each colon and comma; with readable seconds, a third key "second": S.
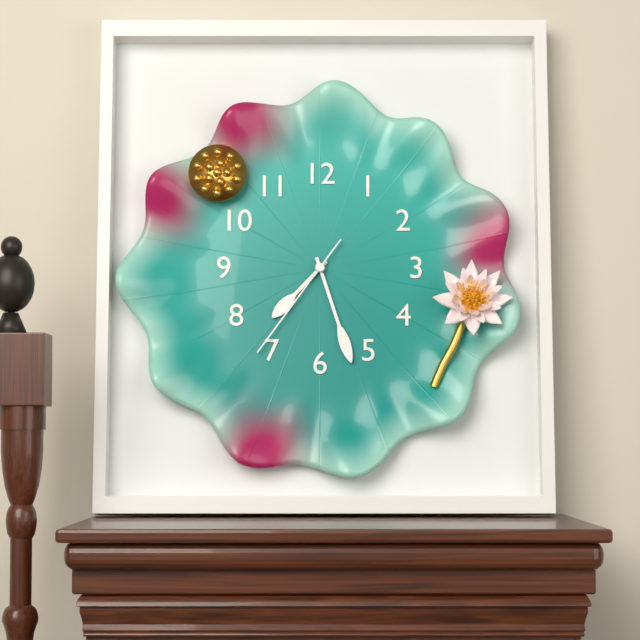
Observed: {"hour": 7, "minute": 27, "second": 36}
